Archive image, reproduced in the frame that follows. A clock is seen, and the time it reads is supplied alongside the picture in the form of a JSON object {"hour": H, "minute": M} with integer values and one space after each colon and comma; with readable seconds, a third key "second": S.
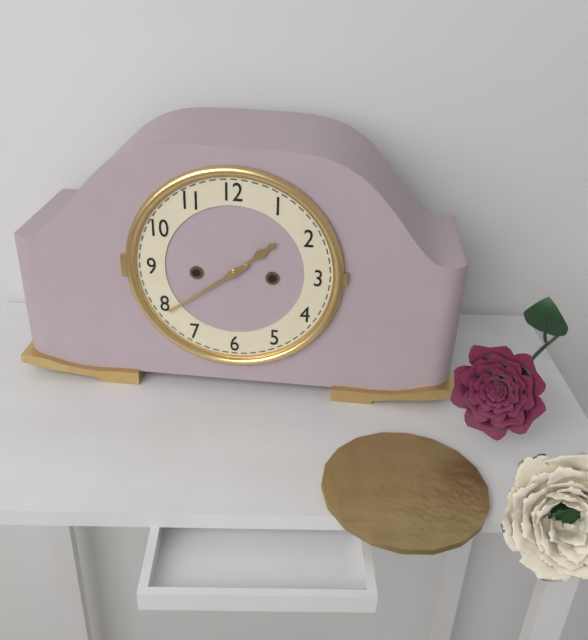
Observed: {"hour": 1, "minute": 39}
